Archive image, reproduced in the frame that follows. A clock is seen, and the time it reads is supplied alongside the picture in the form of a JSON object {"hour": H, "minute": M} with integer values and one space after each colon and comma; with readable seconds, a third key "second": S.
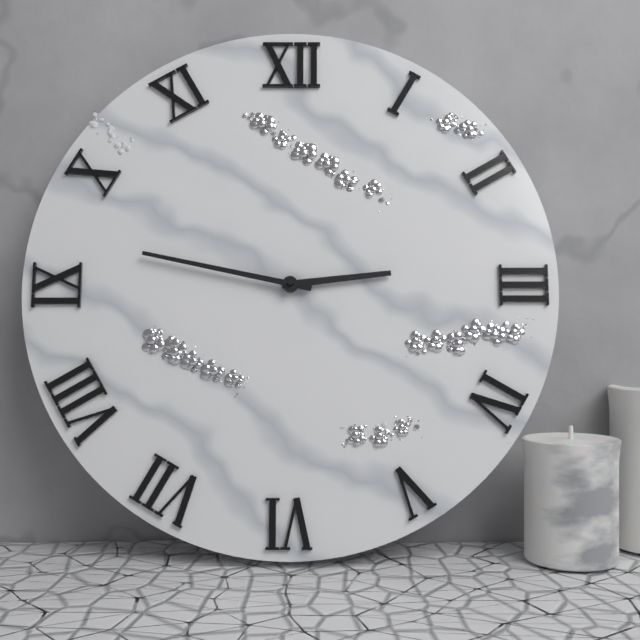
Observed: {"hour": 2, "minute": 47}
